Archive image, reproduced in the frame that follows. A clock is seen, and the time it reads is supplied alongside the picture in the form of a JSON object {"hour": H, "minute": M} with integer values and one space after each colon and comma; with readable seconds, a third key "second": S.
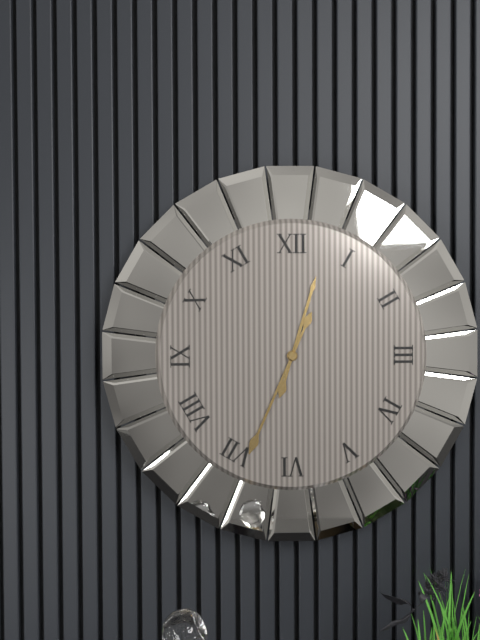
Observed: {"hour": 12, "minute": 34}
